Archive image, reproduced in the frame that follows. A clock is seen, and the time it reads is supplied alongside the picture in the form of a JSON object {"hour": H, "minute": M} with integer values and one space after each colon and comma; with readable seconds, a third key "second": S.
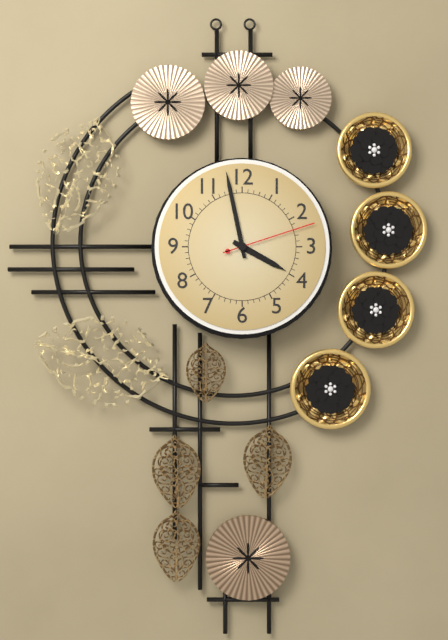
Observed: {"hour": 3, "minute": 58, "second": 12}
